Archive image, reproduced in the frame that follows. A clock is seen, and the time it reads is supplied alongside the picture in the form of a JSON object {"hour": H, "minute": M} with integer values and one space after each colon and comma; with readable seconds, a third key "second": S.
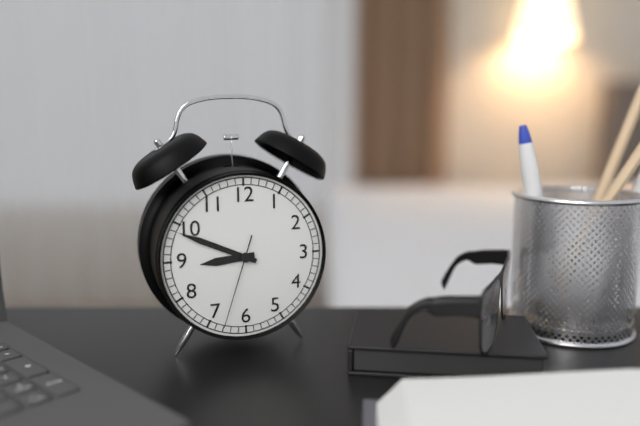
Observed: {"hour": 8, "minute": 49, "second": 33}
